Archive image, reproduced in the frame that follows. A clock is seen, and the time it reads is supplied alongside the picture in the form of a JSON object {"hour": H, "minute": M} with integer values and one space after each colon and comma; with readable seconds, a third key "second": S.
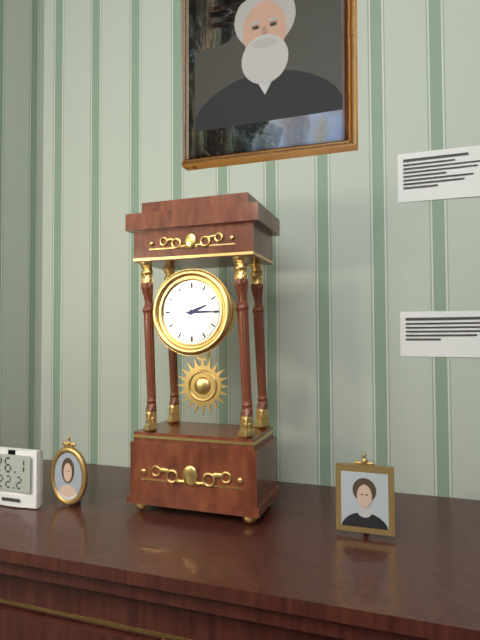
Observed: {"hour": 2, "minute": 15}
